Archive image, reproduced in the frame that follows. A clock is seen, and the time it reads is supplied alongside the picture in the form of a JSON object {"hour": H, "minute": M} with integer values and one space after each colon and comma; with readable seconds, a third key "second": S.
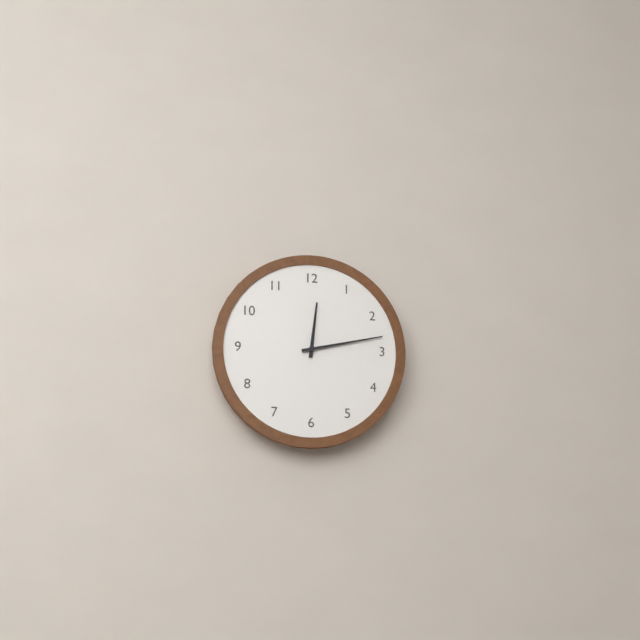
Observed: {"hour": 12, "minute": 13}
